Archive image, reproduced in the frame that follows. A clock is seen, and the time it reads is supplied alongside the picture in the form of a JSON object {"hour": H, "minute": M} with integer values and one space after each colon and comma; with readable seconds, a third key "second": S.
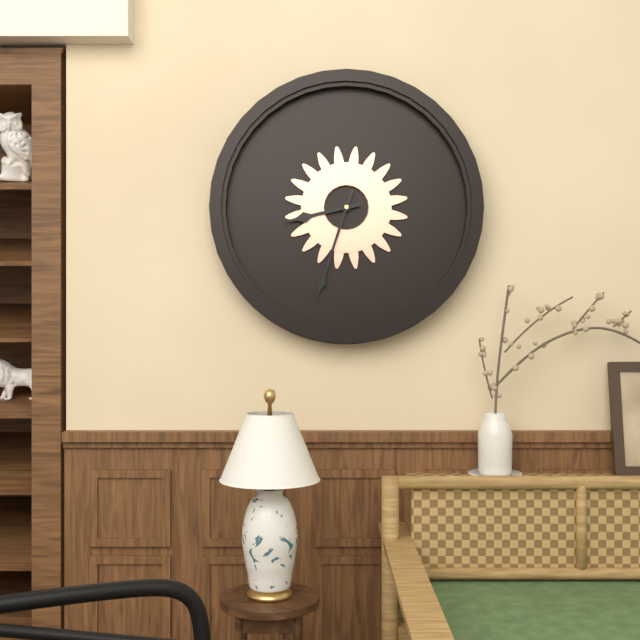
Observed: {"hour": 8, "minute": 33}
